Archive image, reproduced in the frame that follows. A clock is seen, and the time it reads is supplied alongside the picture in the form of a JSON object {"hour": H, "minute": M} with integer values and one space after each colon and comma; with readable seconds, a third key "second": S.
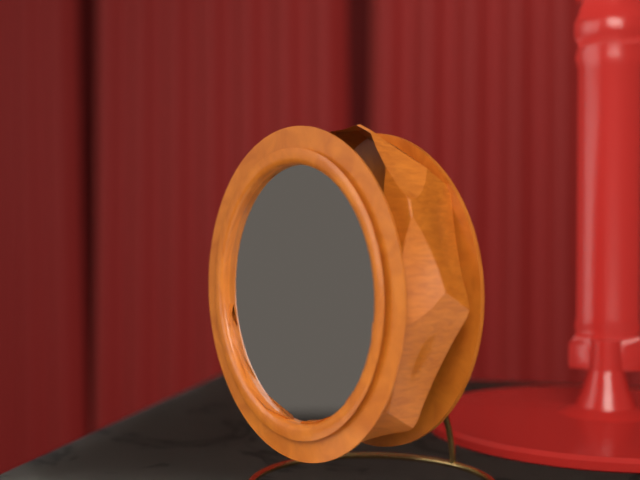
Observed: {"hour": 12, "minute": 51, "second": 50}
